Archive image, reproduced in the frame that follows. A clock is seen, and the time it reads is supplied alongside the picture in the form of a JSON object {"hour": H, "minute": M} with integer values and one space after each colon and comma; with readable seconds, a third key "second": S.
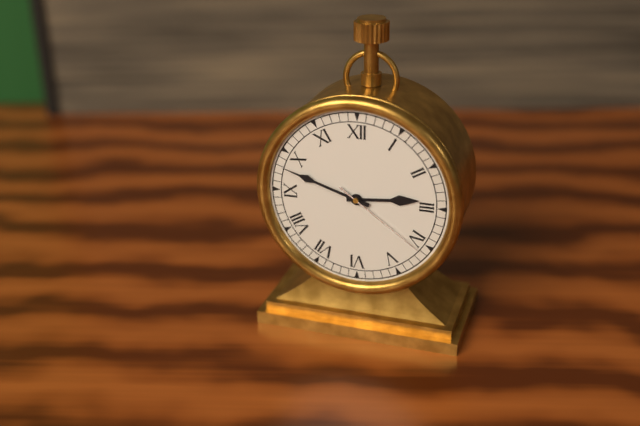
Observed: {"hour": 2, "minute": 48, "second": 21}
